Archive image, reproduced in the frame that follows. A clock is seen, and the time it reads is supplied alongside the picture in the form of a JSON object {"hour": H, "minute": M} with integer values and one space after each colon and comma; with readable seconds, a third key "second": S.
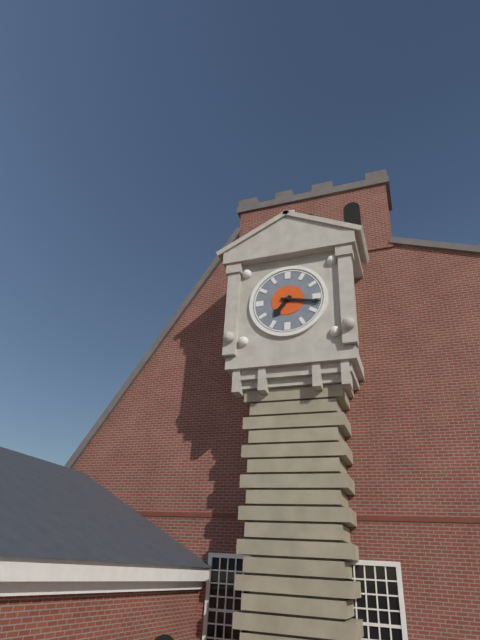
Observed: {"hour": 7, "minute": 17}
